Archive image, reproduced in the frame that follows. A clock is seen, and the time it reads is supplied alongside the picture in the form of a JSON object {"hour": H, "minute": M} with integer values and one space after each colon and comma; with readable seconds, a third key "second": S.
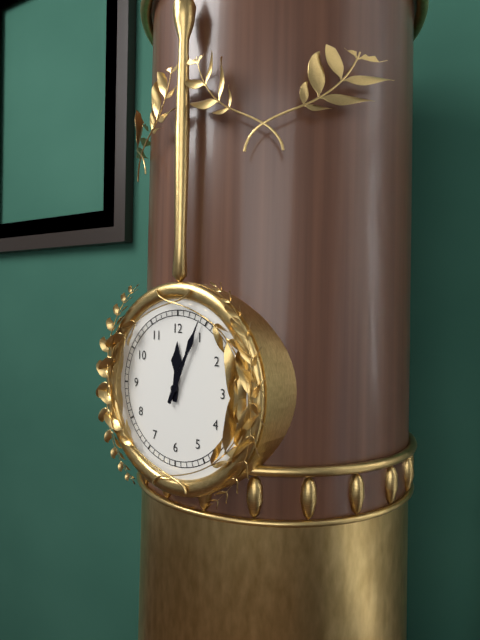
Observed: {"hour": 12, "minute": 4}
